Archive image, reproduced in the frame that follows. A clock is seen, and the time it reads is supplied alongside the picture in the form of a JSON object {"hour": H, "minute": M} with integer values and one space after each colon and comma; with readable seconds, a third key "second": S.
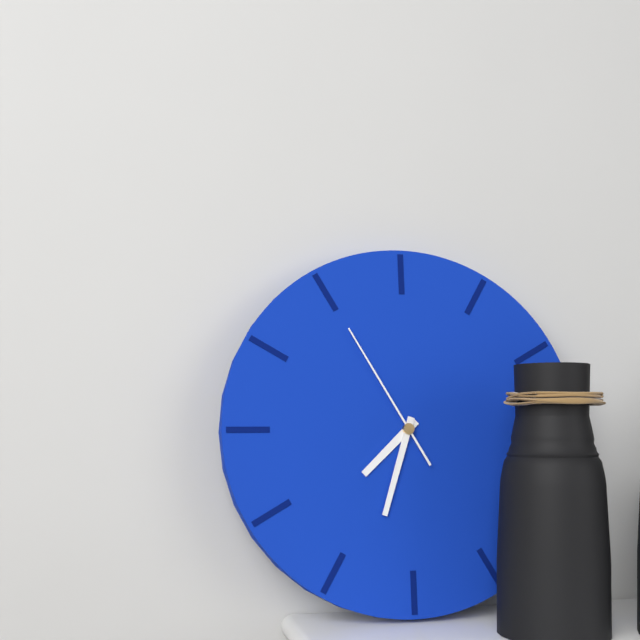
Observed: {"hour": 7, "minute": 33, "second": 55}
